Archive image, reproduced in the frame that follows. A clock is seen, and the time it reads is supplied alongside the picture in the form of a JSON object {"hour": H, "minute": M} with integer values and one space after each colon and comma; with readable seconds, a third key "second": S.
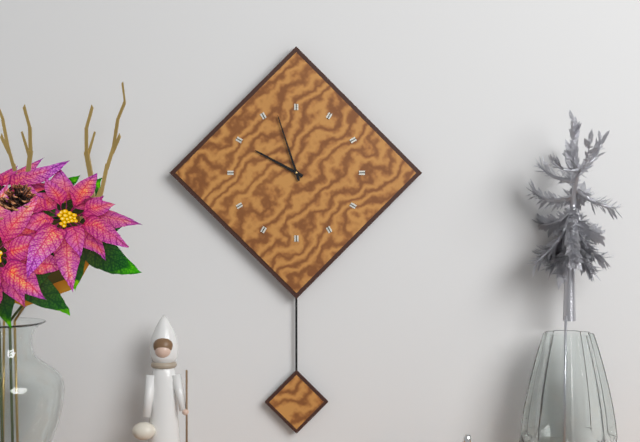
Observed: {"hour": 9, "minute": 57}
